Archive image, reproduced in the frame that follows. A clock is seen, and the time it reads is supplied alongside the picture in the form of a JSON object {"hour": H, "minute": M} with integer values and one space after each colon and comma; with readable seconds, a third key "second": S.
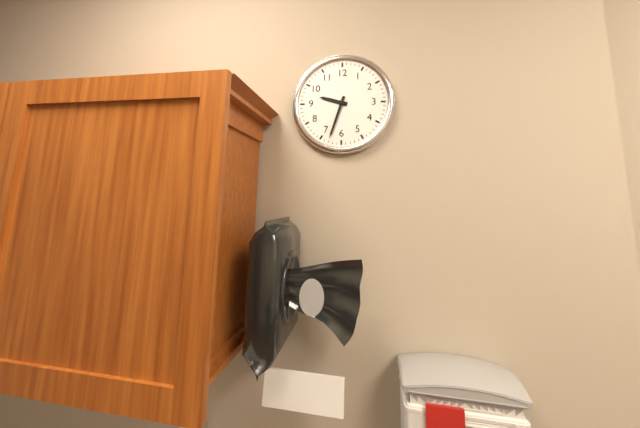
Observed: {"hour": 9, "minute": 33}
